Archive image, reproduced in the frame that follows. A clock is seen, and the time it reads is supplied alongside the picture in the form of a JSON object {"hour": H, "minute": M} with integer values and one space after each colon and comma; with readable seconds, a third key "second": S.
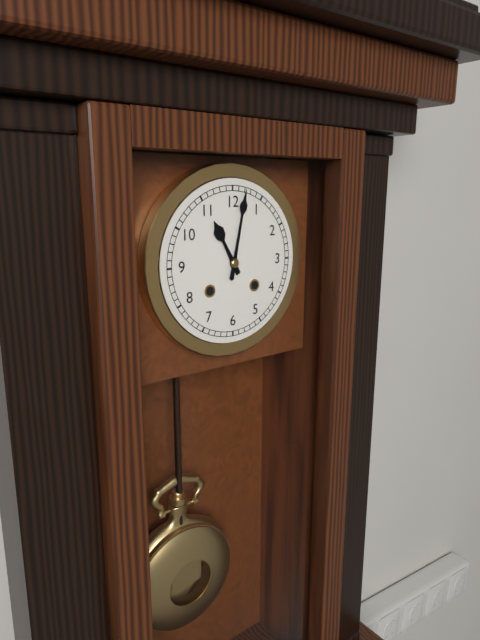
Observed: {"hour": 11, "minute": 2}
